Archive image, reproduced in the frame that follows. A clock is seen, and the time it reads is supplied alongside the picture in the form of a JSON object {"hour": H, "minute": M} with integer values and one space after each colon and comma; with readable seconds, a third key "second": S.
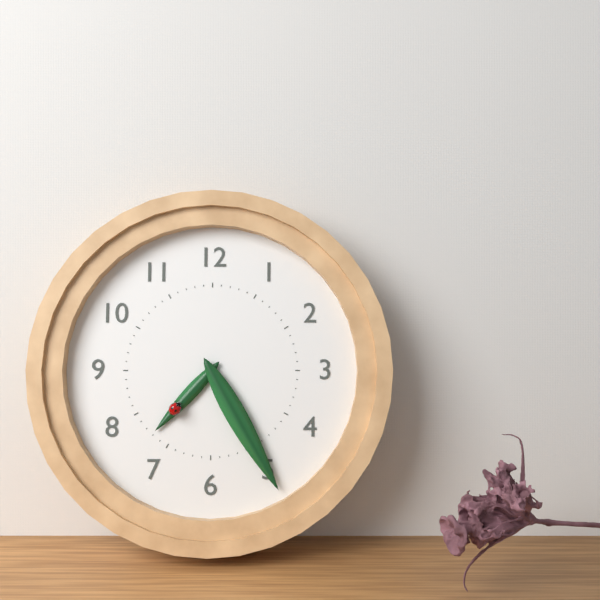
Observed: {"hour": 7, "minute": 25}
